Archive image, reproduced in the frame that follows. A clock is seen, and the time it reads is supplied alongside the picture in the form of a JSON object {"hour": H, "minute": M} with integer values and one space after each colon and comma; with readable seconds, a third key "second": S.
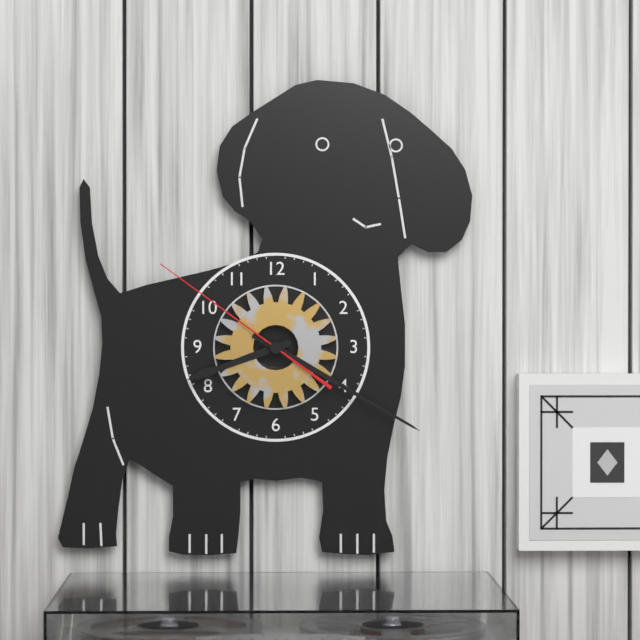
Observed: {"hour": 8, "minute": 20, "second": 51}
